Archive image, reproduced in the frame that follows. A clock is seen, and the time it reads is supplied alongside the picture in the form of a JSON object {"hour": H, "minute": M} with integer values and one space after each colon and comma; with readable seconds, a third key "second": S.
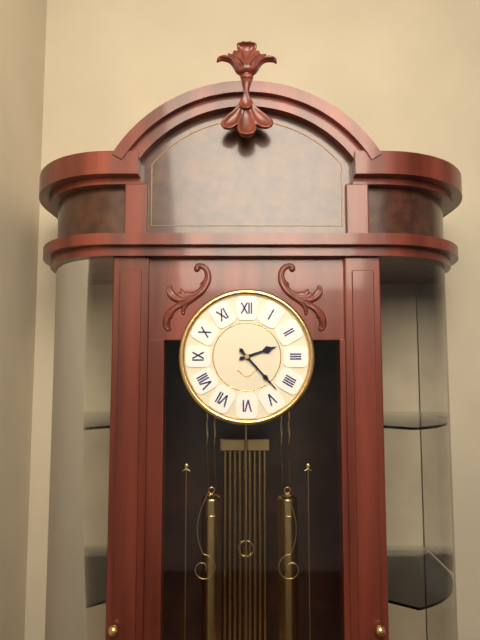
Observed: {"hour": 2, "minute": 23}
